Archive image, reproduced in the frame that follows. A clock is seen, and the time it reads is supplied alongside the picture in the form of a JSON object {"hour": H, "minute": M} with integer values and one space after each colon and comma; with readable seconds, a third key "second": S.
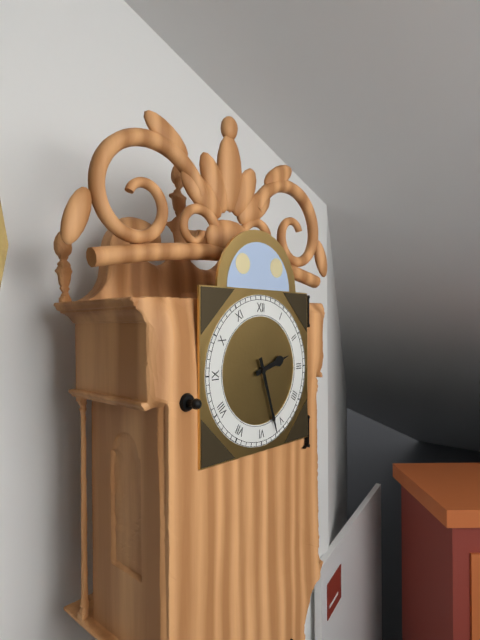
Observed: {"hour": 2, "minute": 27}
